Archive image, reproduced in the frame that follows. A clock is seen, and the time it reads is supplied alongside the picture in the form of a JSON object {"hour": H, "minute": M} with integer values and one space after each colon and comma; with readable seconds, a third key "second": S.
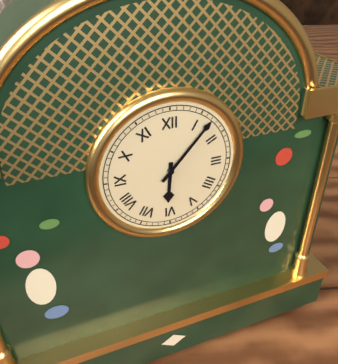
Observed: {"hour": 6, "minute": 7}
